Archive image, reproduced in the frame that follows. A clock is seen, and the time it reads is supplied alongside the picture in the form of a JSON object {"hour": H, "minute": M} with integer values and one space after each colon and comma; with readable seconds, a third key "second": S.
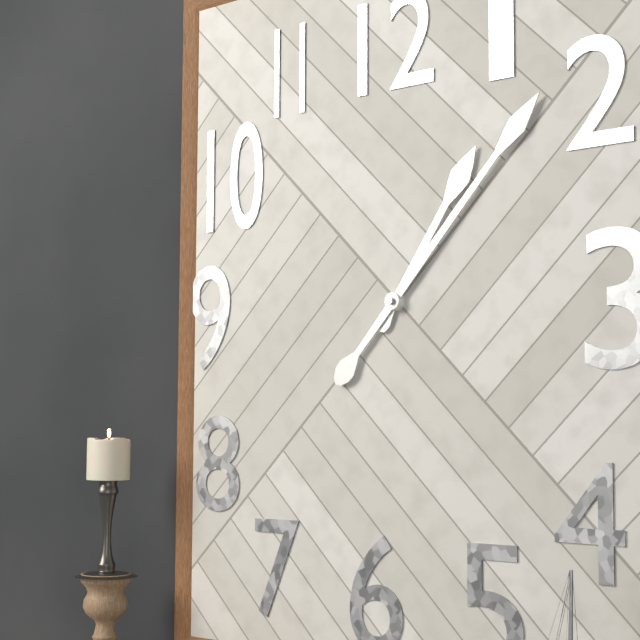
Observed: {"hour": 1, "minute": 7}
